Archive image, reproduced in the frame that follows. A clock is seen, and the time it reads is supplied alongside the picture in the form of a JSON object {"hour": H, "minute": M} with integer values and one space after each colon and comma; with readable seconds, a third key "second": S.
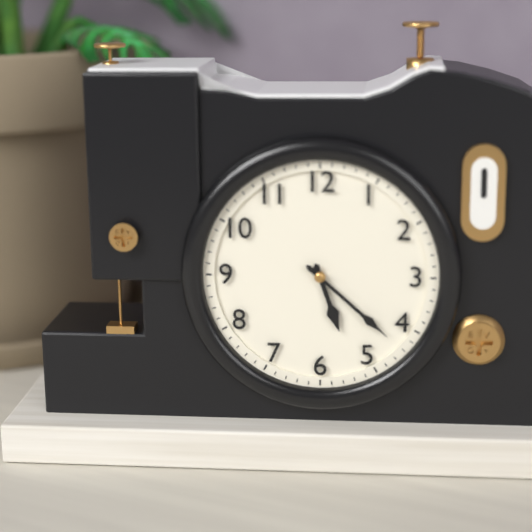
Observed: {"hour": 5, "minute": 22}
